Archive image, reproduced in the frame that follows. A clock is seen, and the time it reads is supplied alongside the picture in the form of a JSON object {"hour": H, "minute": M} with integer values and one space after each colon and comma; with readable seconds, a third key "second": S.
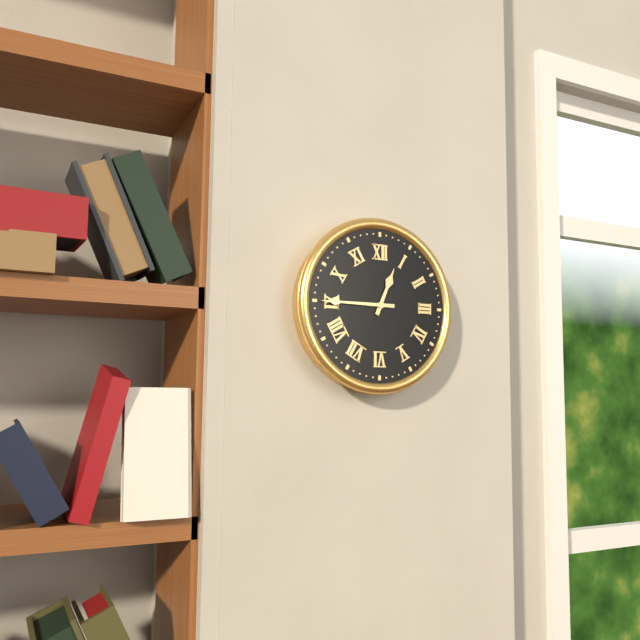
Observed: {"hour": 12, "minute": 45}
